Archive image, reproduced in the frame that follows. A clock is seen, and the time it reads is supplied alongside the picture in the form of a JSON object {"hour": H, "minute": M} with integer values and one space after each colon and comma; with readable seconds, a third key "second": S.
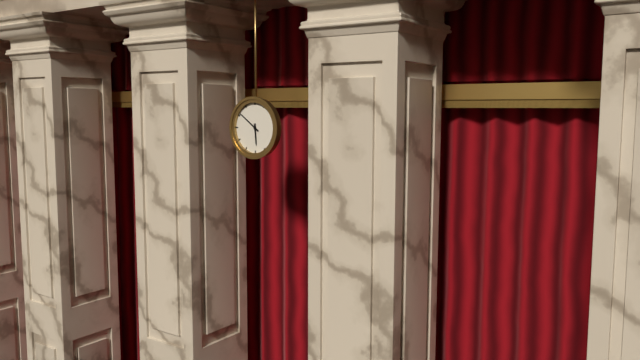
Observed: {"hour": 5, "minute": 51}
